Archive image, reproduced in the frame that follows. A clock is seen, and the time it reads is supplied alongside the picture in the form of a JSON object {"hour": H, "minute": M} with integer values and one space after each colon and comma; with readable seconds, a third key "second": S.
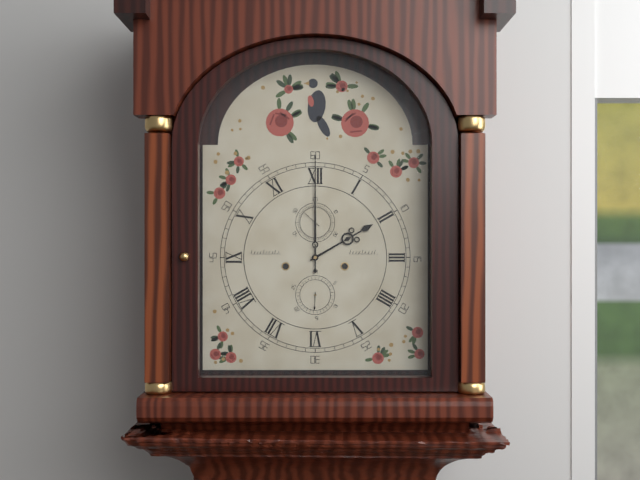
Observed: {"hour": 2, "minute": 0}
